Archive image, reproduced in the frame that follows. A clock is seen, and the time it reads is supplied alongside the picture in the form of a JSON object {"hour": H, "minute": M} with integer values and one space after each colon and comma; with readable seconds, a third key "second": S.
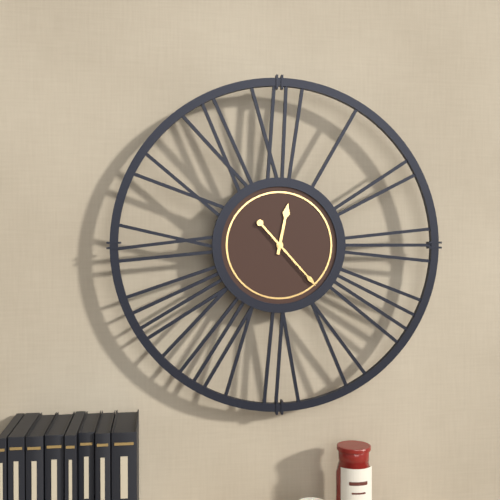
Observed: {"hour": 12, "minute": 23}
